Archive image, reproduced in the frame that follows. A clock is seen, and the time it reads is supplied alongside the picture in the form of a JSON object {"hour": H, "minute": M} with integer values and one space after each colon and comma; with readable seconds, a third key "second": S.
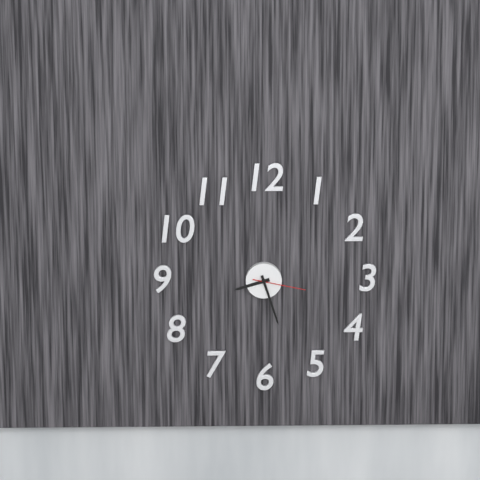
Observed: {"hour": 8, "minute": 27, "second": 17}
